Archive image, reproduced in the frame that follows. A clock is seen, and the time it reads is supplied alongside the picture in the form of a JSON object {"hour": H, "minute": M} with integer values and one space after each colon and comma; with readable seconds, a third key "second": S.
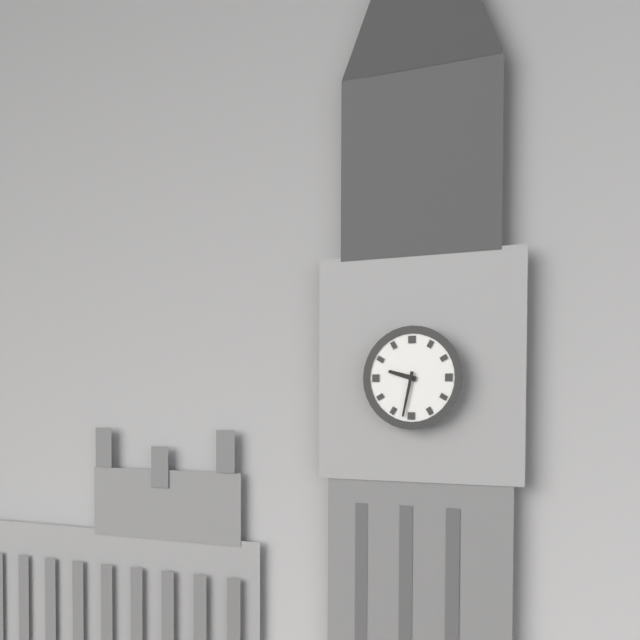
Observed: {"hour": 9, "minute": 32}
